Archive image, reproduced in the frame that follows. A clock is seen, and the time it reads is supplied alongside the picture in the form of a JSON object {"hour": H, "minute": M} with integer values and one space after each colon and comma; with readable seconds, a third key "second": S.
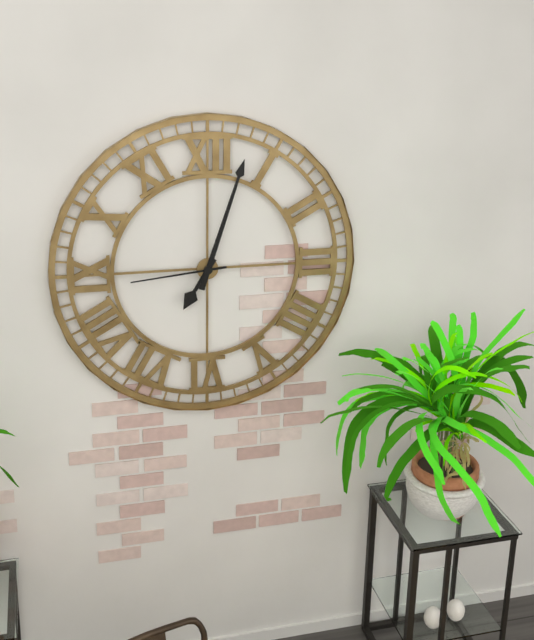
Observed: {"hour": 7, "minute": 3, "second": 44}
